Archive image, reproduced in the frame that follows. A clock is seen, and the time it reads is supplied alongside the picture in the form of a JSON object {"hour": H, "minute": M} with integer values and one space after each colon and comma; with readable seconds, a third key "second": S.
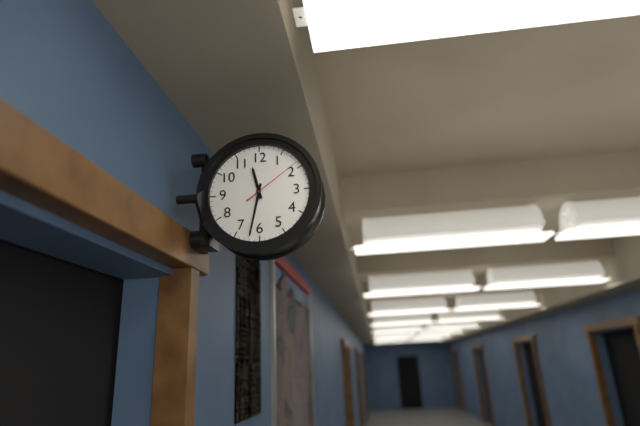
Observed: {"hour": 11, "minute": 32, "second": 9}
